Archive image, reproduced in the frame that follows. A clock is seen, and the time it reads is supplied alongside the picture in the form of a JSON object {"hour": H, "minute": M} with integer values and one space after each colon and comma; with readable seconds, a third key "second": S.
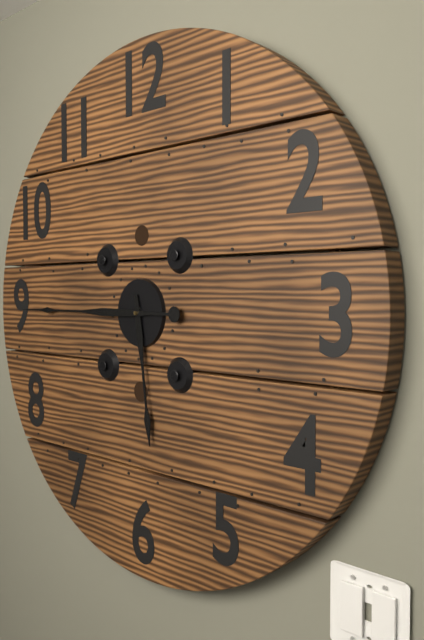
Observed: {"hour": 5, "minute": 45}
